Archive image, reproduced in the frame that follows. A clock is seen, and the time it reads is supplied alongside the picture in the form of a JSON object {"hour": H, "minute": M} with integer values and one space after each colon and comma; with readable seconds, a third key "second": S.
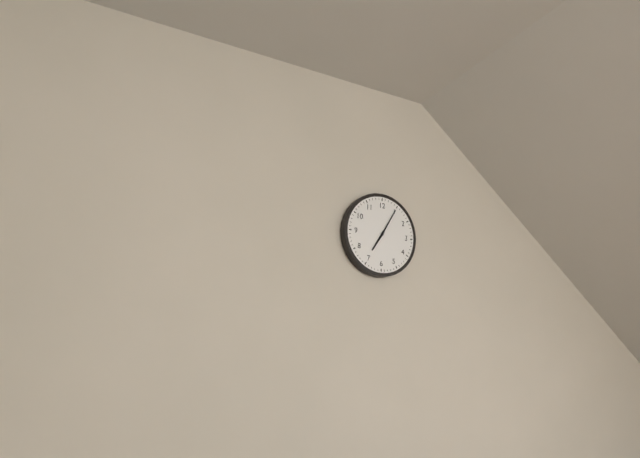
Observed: {"hour": 7, "minute": 5}
